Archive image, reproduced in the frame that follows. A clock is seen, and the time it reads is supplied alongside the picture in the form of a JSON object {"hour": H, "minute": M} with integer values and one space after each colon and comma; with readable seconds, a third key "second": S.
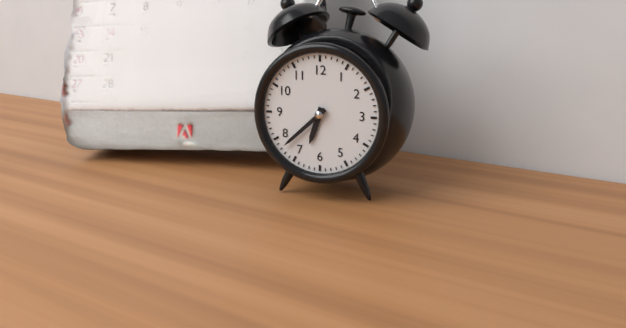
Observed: {"hour": 6, "minute": 38}
